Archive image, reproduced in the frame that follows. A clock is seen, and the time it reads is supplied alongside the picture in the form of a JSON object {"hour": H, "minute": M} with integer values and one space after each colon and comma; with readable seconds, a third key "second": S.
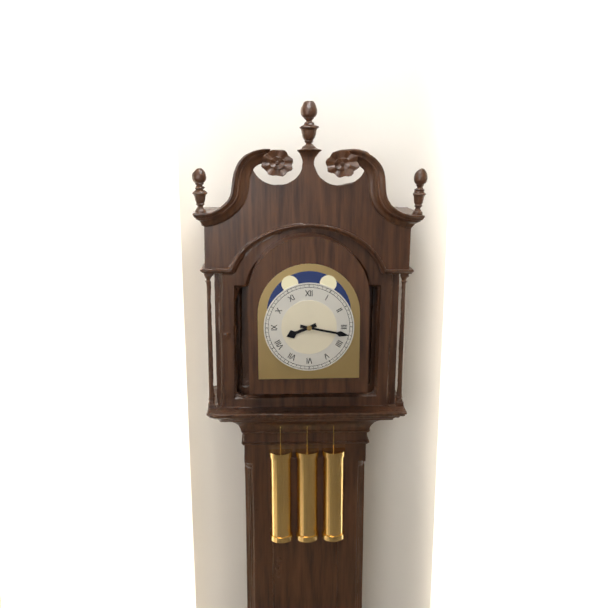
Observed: {"hour": 8, "minute": 17}
